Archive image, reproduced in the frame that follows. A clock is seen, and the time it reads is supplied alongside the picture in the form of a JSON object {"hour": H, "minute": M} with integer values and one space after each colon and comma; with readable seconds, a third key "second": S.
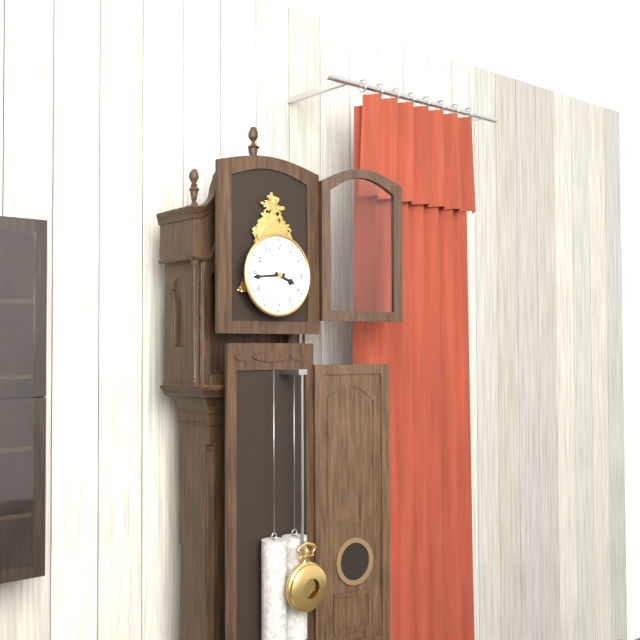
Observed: {"hour": 3, "minute": 44}
